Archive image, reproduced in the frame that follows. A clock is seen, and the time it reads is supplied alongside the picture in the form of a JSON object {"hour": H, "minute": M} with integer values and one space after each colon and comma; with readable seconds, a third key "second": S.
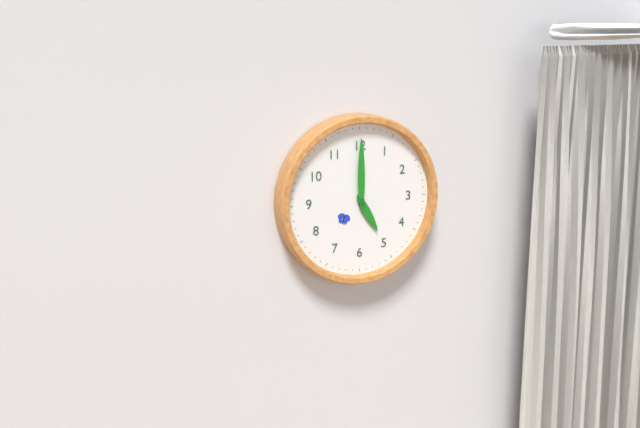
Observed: {"hour": 5, "minute": 0}
